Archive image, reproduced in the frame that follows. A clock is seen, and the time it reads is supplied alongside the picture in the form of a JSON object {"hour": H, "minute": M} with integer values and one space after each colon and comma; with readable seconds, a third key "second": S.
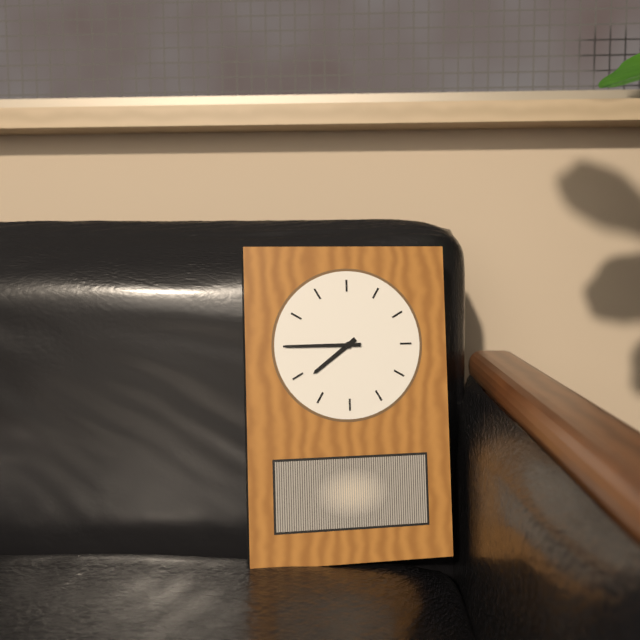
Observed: {"hour": 7, "minute": 45}
